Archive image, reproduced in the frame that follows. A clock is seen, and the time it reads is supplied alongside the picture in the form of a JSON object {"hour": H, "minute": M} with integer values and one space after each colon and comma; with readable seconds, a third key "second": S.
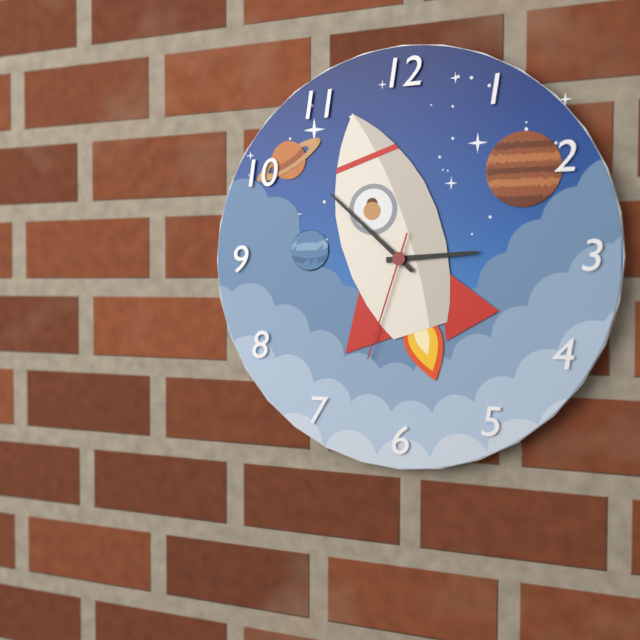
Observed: {"hour": 2, "minute": 52, "second": 33}
